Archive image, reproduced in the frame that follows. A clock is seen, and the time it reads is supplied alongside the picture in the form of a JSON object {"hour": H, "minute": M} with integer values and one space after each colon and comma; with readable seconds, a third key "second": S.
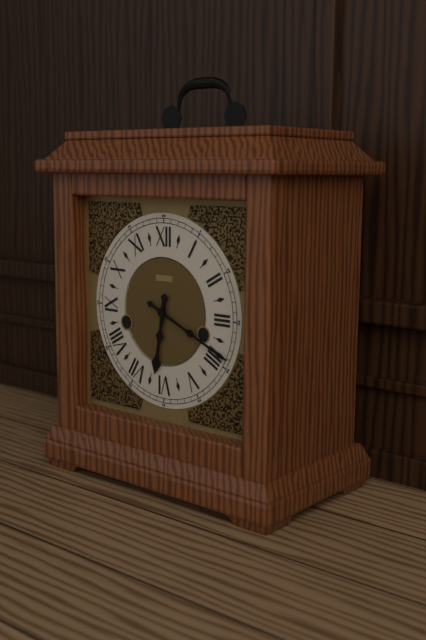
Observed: {"hour": 6, "minute": 19}
